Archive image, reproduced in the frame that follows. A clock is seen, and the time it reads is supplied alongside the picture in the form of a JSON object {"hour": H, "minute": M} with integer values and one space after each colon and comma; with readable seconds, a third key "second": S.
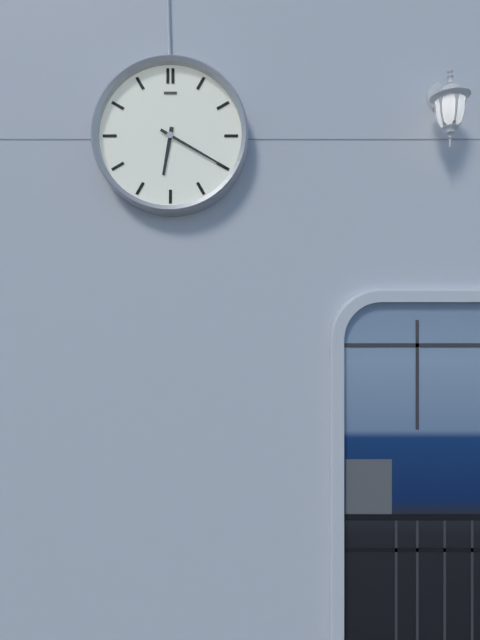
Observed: {"hour": 6, "minute": 20}
